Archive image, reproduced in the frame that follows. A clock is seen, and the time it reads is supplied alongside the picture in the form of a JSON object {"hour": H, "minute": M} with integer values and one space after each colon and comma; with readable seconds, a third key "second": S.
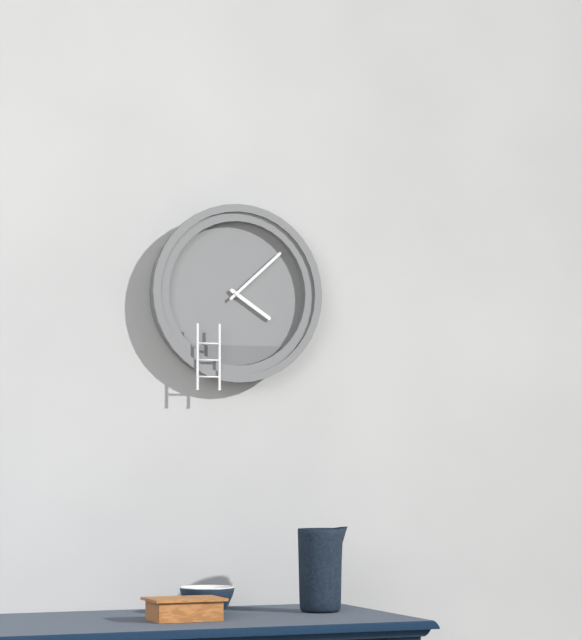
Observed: {"hour": 4, "minute": 8}
